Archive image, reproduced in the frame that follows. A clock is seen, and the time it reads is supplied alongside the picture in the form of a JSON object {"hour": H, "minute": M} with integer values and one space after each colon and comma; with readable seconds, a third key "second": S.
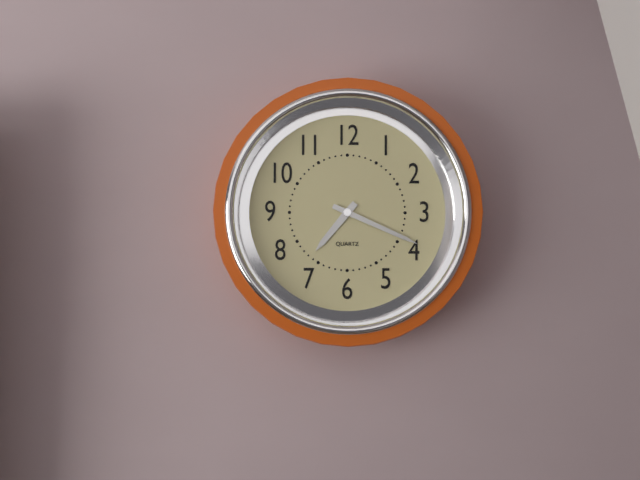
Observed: {"hour": 7, "minute": 19}
